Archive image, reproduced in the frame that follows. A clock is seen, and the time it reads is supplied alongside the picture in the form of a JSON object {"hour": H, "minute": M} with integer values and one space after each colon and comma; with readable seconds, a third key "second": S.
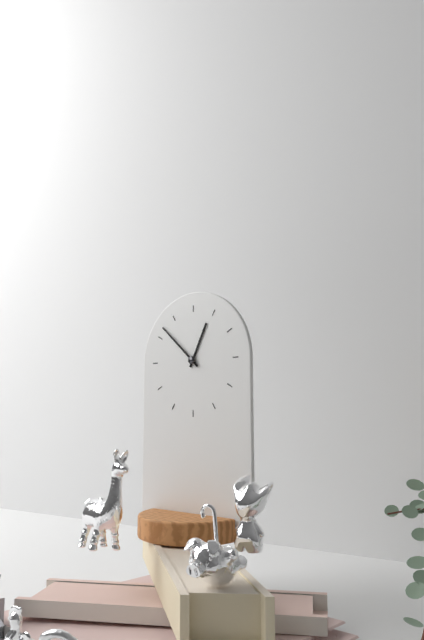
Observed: {"hour": 12, "minute": 52}
